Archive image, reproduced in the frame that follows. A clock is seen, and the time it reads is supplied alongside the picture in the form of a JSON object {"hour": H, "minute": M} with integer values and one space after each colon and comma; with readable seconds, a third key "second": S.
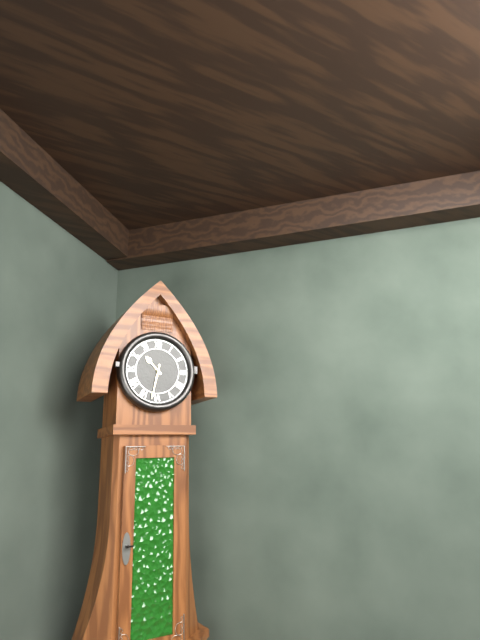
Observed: {"hour": 10, "minute": 32}
